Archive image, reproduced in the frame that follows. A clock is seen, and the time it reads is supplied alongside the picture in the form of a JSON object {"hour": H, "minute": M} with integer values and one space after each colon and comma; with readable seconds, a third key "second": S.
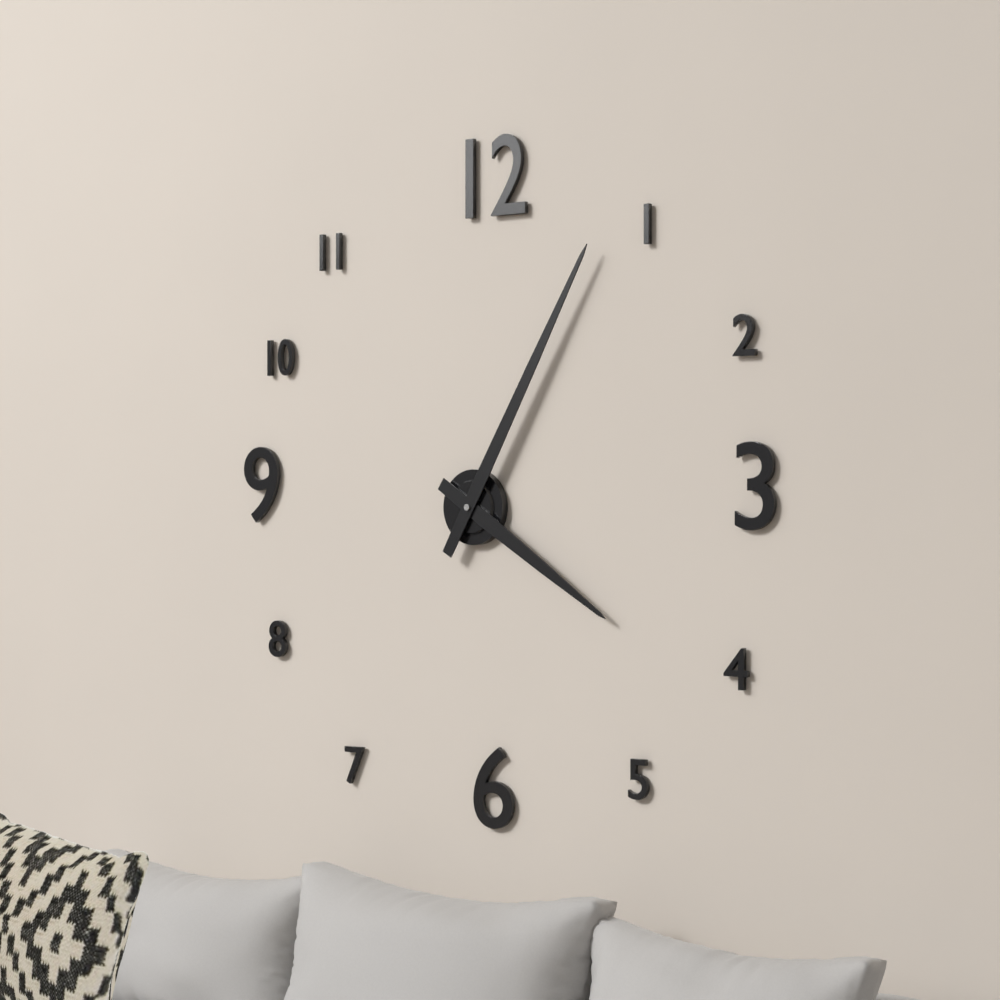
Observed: {"hour": 4, "minute": 5}
